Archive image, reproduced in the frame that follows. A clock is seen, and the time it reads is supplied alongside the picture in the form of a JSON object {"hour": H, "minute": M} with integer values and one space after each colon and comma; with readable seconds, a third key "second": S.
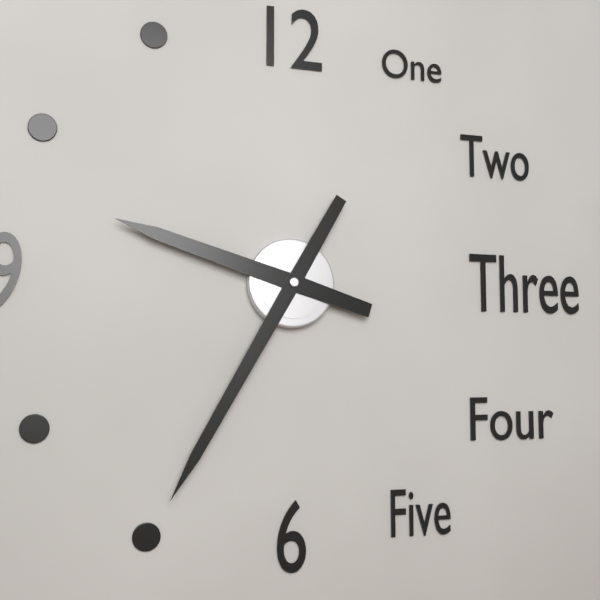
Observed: {"hour": 9, "minute": 35}
